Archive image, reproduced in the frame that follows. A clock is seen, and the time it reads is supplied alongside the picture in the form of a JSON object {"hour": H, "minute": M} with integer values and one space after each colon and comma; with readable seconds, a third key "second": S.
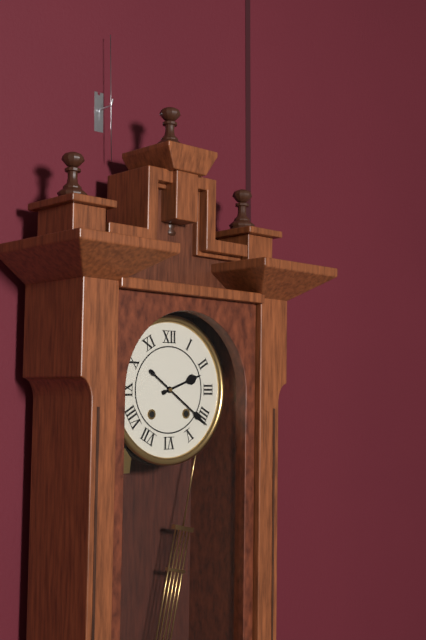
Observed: {"hour": 2, "minute": 21}
